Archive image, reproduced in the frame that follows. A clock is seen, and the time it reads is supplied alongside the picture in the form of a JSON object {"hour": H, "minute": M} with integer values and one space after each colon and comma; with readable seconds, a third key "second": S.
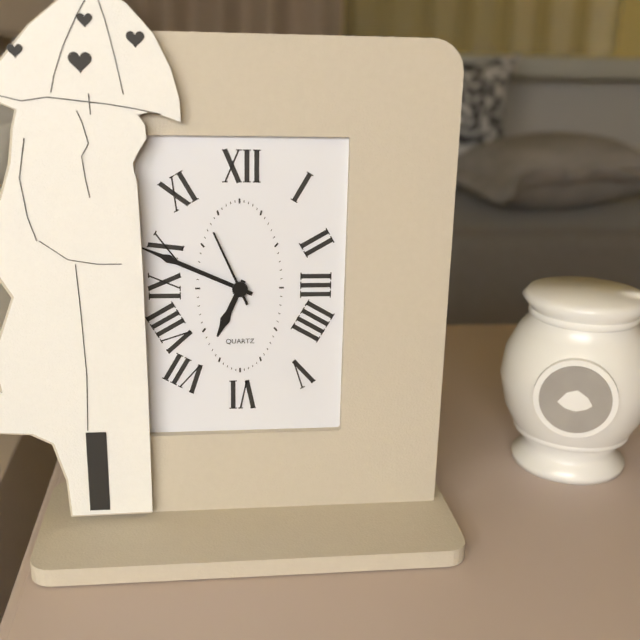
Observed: {"hour": 6, "minute": 49, "second": 56}
